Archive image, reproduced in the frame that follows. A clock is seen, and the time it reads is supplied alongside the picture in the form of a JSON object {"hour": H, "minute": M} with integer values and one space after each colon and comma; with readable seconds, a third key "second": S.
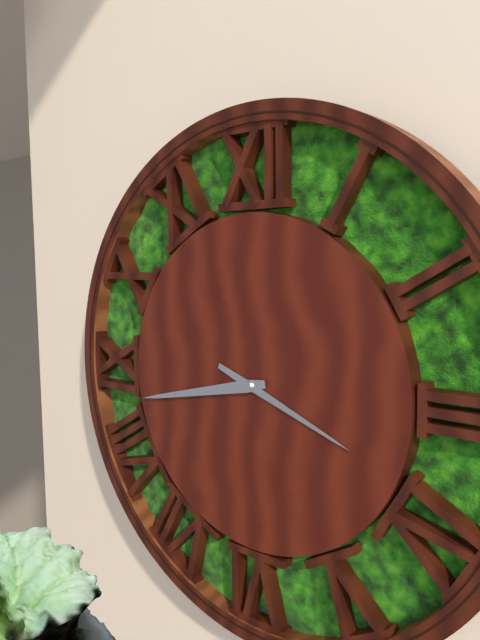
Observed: {"hour": 3, "minute": 43}
